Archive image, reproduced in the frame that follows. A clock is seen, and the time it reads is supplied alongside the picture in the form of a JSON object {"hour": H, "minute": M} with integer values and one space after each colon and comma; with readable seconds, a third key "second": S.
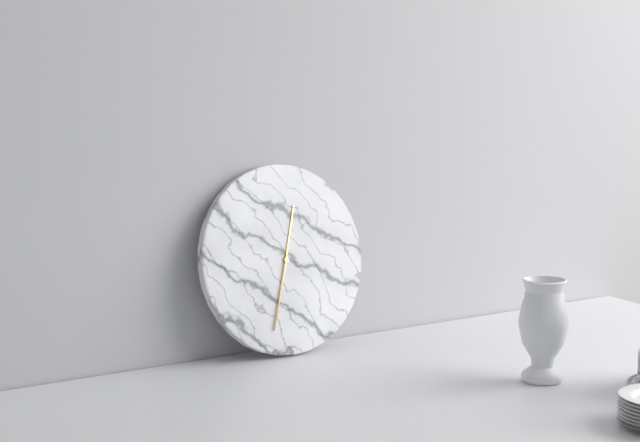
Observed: {"hour": 12, "minute": 33}
